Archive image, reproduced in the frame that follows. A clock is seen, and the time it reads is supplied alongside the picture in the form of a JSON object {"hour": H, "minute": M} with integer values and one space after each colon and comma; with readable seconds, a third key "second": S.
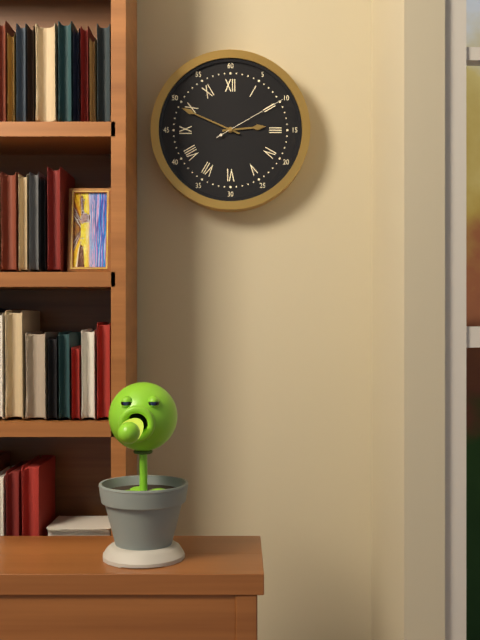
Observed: {"hour": 2, "minute": 49, "second": 10}
